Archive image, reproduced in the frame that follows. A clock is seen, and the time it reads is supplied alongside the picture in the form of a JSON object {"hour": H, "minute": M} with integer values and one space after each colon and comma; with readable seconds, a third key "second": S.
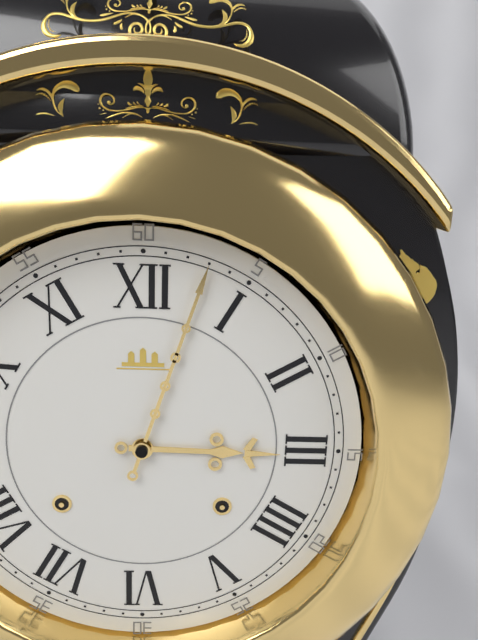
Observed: {"hour": 3, "minute": 3}
